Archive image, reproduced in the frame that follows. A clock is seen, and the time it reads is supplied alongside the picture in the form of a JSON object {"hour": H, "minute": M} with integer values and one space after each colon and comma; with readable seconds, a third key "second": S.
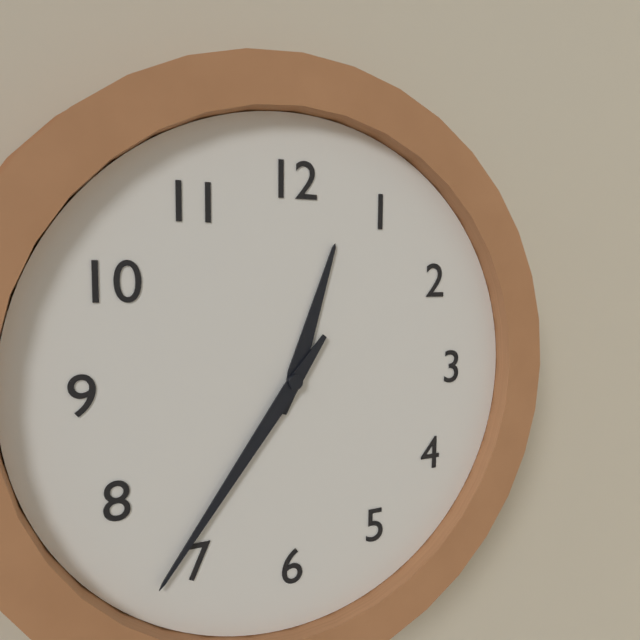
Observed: {"hour": 12, "minute": 36}
